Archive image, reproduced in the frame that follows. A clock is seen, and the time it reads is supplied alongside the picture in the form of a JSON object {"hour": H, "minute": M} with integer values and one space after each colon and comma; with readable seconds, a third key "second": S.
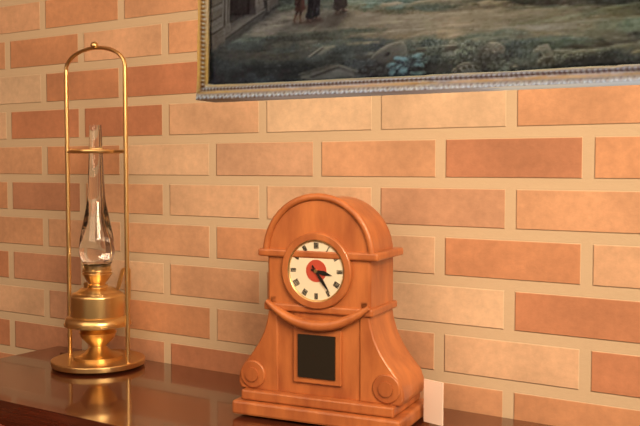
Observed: {"hour": 3, "minute": 24}
